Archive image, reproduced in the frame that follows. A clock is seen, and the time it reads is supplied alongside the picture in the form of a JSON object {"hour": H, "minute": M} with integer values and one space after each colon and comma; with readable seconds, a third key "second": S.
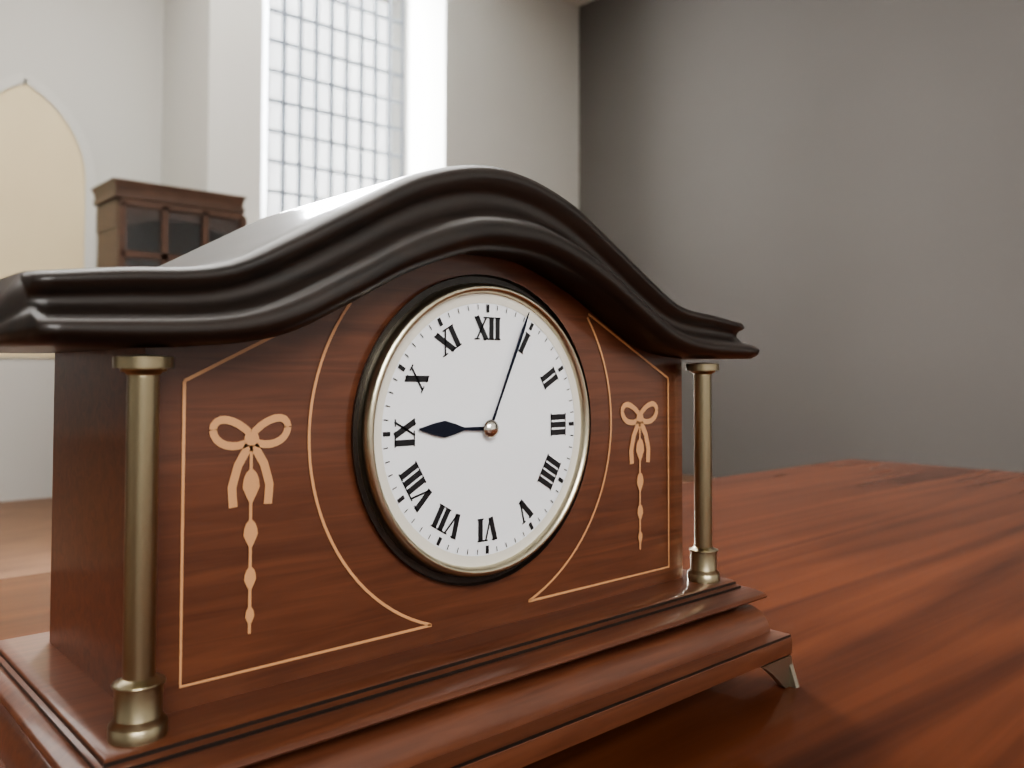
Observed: {"hour": 9, "minute": 4}
